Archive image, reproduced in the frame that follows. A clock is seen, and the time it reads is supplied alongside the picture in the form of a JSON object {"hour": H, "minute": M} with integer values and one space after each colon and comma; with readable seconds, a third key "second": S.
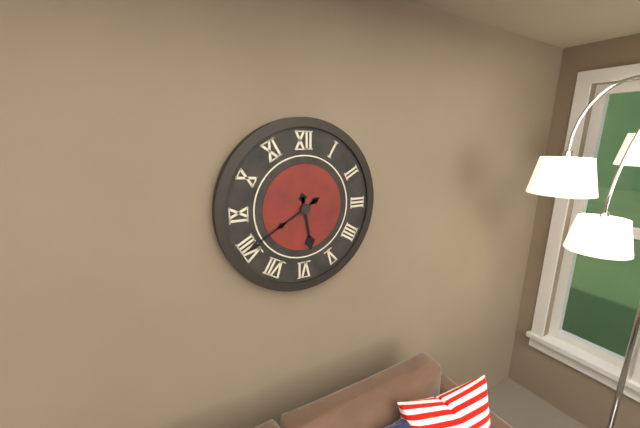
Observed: {"hour": 5, "minute": 40}
